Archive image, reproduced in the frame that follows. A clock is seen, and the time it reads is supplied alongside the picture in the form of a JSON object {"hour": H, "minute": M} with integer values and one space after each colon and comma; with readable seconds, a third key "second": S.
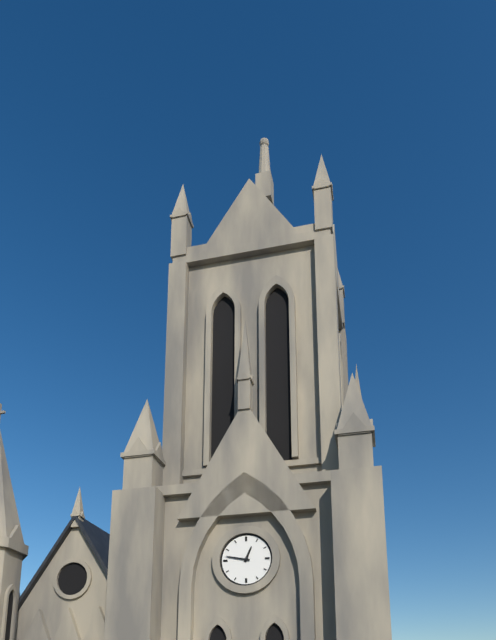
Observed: {"hour": 12, "minute": 47}
